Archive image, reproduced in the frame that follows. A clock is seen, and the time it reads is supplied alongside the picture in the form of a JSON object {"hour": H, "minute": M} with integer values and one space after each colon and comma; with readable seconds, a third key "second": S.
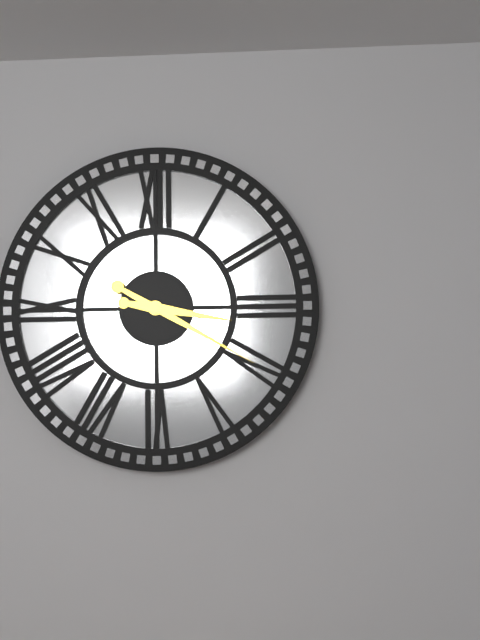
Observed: {"hour": 3, "minute": 20}
